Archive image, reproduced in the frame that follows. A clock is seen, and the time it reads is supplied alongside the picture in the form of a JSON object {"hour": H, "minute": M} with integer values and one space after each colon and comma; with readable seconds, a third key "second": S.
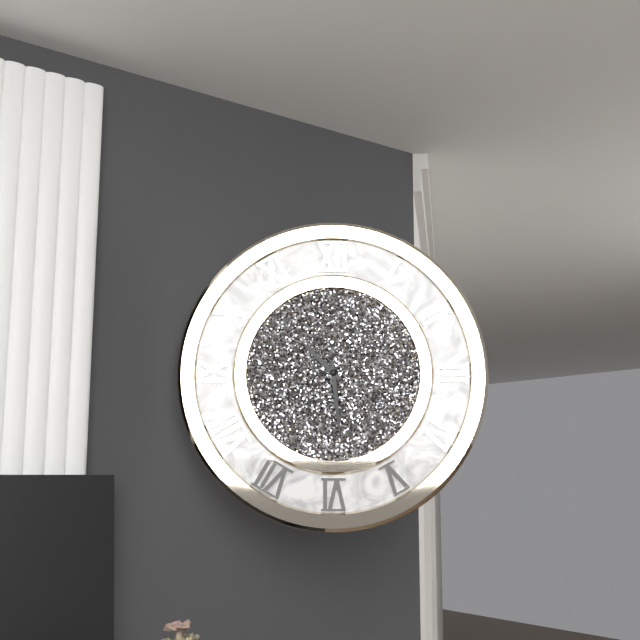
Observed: {"hour": 10, "minute": 29}
